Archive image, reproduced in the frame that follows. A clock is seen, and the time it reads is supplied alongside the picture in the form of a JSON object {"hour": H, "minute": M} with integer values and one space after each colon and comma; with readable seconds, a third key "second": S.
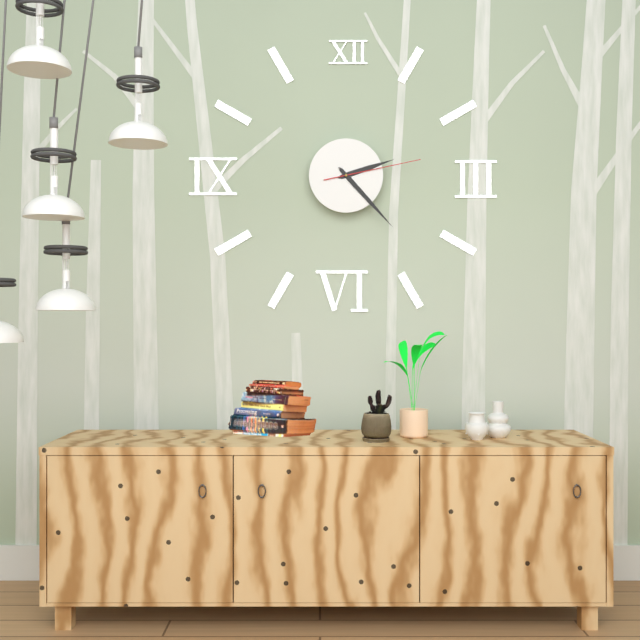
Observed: {"hour": 2, "minute": 23, "second": 13}
